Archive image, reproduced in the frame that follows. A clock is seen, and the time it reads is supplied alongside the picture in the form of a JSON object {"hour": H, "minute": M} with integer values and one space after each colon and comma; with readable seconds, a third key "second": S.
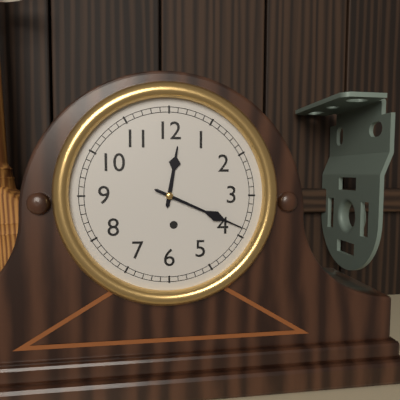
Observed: {"hour": 12, "minute": 19}
